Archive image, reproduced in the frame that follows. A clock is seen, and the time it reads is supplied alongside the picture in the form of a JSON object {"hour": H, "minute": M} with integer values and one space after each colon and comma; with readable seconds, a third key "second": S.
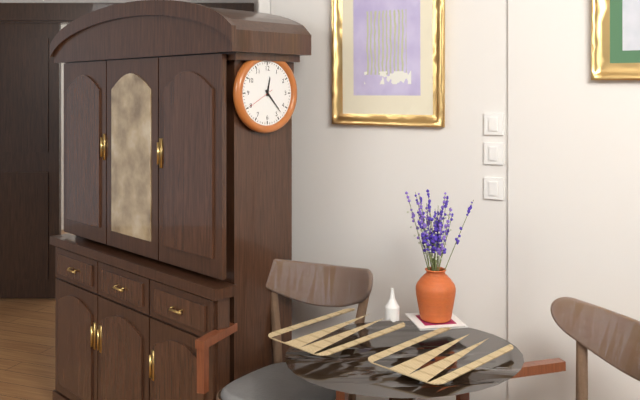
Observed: {"hour": 12, "minute": 23}
